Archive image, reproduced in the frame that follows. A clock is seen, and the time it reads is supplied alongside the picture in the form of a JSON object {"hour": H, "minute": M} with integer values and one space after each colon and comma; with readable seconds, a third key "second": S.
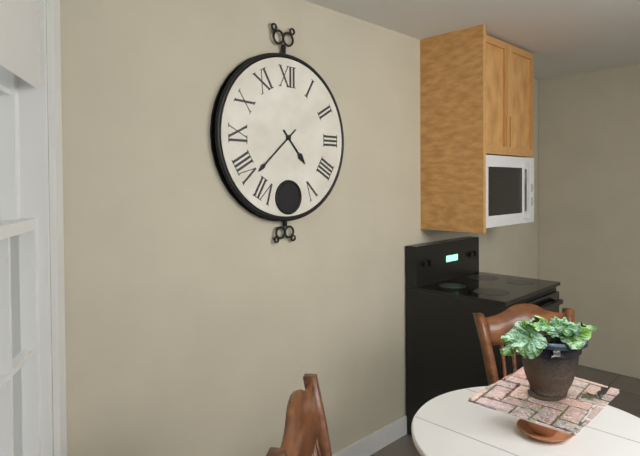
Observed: {"hour": 4, "minute": 38}
